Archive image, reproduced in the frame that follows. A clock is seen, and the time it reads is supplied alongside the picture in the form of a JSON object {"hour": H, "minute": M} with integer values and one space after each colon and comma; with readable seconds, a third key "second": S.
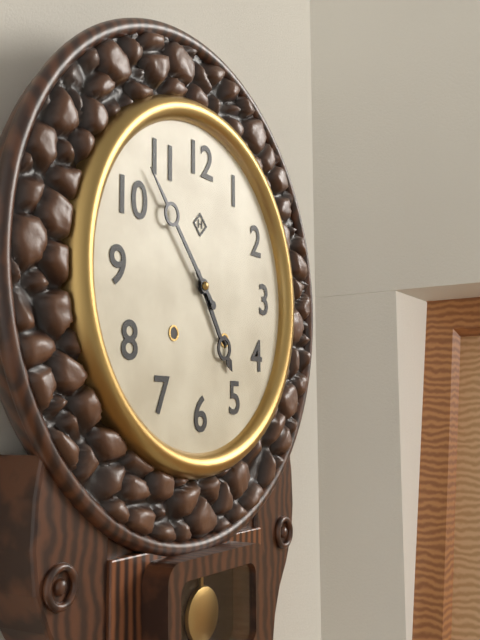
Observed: {"hour": 4, "minute": 53}
